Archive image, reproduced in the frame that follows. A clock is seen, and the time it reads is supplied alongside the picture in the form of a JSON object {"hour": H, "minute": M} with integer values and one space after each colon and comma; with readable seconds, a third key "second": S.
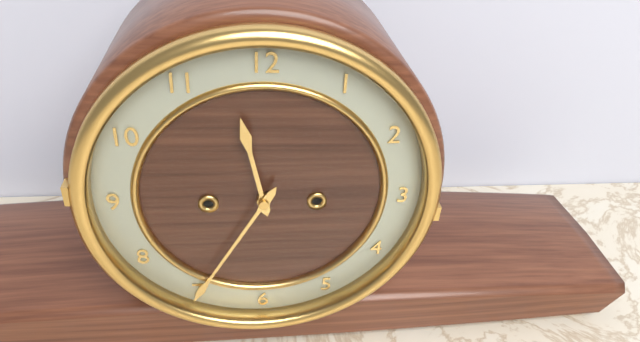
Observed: {"hour": 11, "minute": 35}
